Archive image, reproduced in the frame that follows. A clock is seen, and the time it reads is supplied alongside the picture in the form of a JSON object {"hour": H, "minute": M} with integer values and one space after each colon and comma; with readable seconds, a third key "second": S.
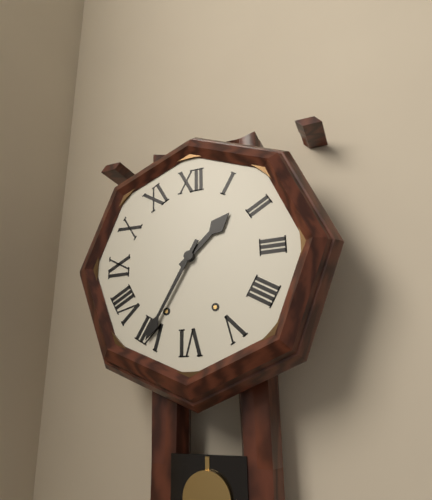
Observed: {"hour": 1, "minute": 35}
